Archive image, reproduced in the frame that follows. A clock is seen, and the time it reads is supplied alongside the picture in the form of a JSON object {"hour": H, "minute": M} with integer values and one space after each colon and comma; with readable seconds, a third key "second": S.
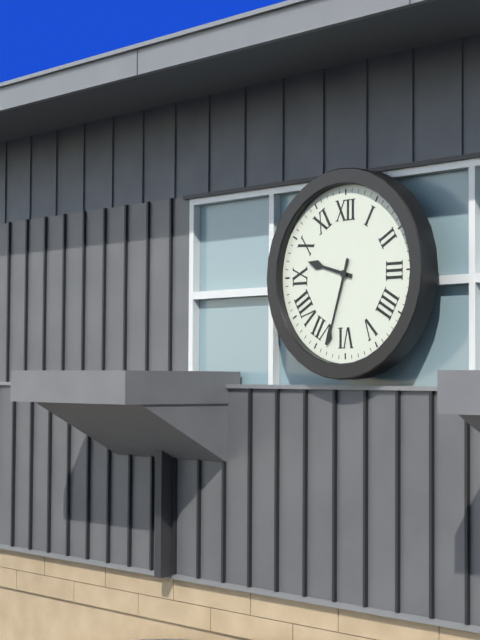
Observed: {"hour": 9, "minute": 33}
